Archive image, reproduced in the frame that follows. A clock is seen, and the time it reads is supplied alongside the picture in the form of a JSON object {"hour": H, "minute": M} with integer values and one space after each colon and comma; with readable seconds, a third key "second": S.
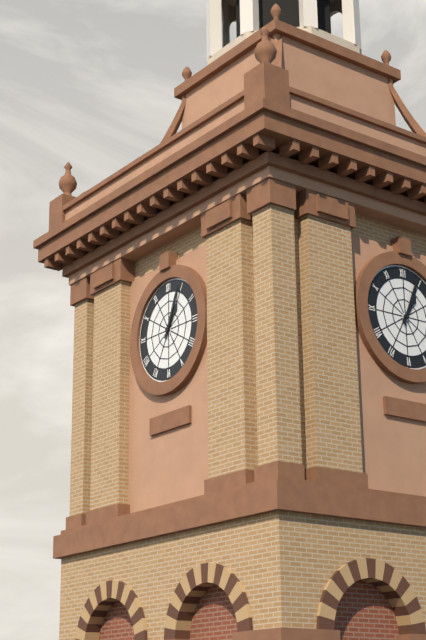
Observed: {"hour": 1, "minute": 4}
